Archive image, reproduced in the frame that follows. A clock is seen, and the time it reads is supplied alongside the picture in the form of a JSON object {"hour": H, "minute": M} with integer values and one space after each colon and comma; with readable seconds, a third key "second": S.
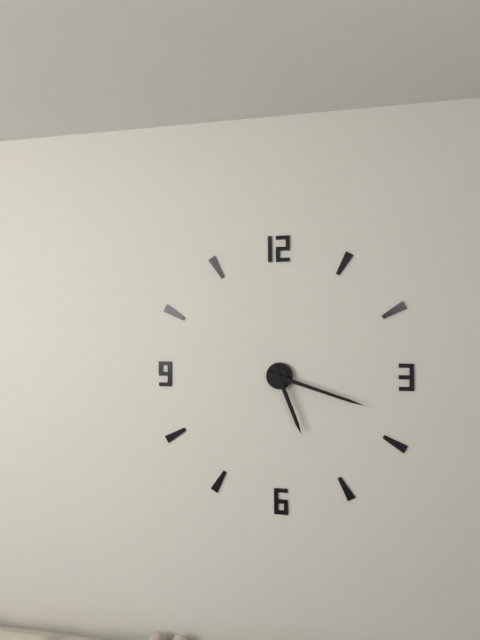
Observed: {"hour": 5, "minute": 18}
